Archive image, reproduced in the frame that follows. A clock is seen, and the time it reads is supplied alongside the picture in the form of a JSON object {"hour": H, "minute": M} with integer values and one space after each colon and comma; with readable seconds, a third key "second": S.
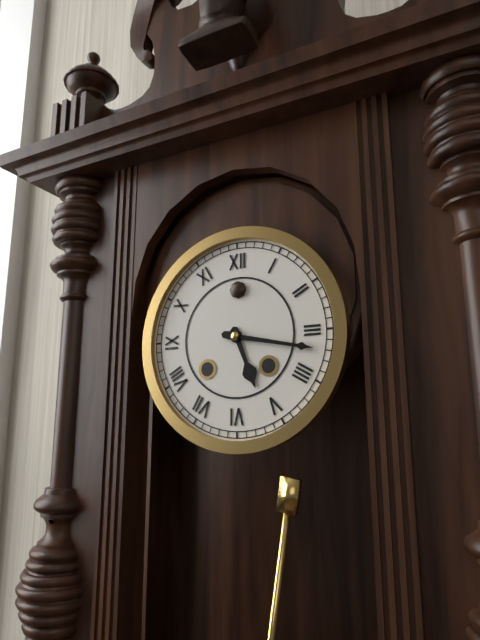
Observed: {"hour": 5, "minute": 17}
